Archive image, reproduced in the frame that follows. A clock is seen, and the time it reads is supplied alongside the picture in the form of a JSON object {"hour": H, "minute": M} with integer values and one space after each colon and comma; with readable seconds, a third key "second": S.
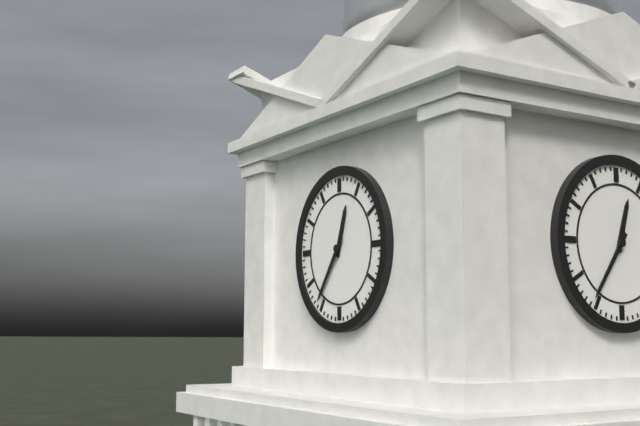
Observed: {"hour": 12, "minute": 36}
